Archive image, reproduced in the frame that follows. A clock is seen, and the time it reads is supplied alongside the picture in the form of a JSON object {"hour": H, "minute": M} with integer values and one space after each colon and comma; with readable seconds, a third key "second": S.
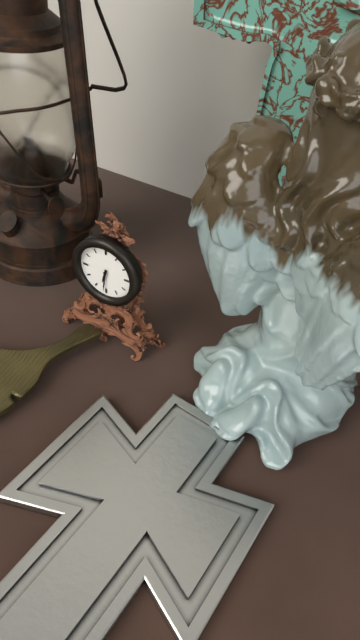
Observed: {"hour": 6, "minute": 31}
